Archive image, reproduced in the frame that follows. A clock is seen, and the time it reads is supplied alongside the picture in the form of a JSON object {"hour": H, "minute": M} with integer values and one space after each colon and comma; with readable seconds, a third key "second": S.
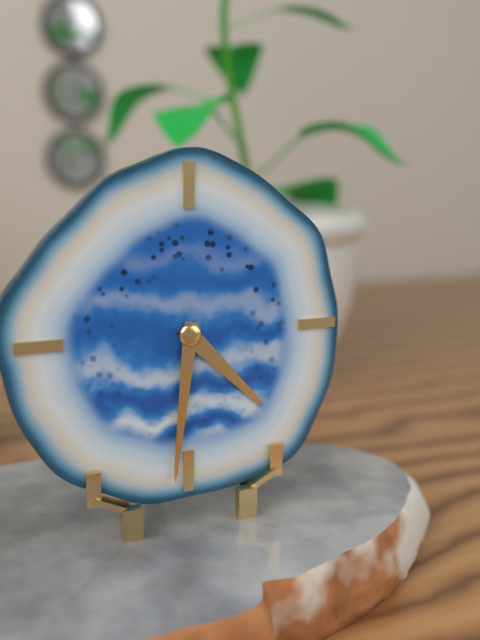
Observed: {"hour": 4, "minute": 31}
